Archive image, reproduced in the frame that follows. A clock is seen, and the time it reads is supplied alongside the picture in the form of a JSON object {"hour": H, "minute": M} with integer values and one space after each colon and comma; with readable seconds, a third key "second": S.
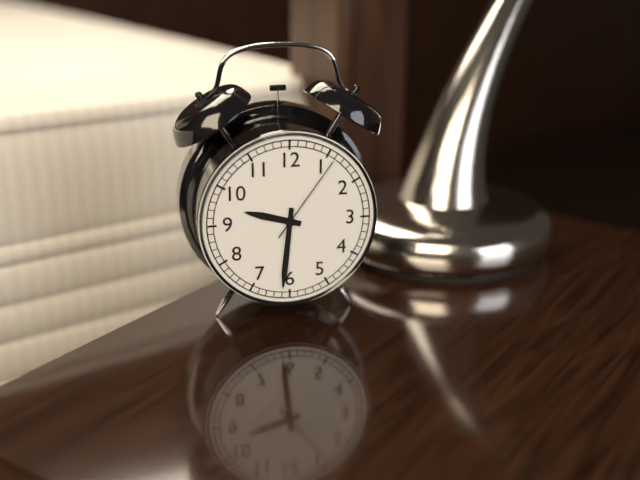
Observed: {"hour": 9, "minute": 31, "second": 6}
